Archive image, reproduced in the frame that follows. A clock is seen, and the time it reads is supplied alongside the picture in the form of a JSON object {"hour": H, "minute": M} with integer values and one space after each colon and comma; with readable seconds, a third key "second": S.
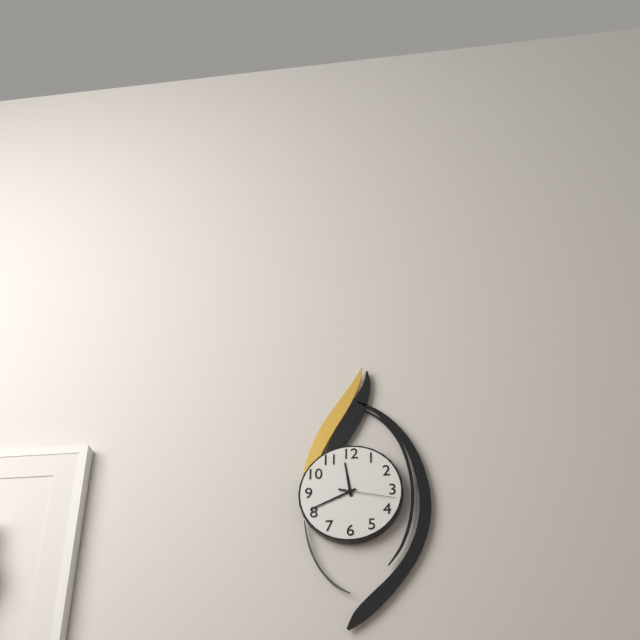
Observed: {"hour": 11, "minute": 41, "second": 17}
